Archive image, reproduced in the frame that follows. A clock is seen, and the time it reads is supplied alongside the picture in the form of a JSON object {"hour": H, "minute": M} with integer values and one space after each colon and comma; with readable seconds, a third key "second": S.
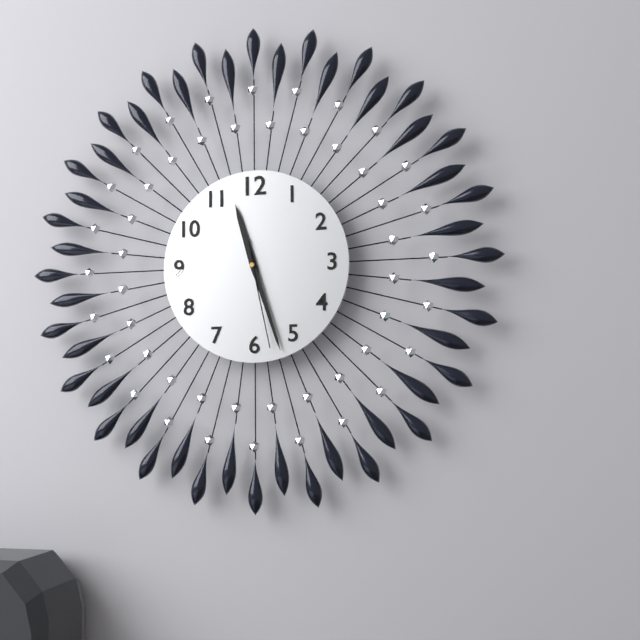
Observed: {"hour": 11, "minute": 27, "second": 28}
